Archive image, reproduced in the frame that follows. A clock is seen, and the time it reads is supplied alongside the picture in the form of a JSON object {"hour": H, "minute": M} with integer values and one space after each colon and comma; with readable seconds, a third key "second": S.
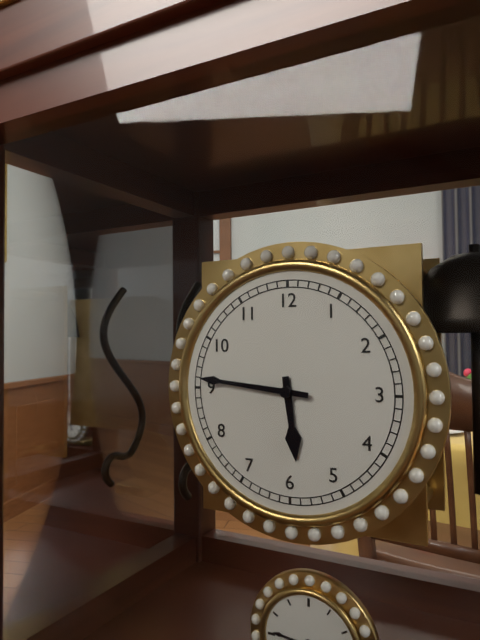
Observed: {"hour": 5, "minute": 46}
